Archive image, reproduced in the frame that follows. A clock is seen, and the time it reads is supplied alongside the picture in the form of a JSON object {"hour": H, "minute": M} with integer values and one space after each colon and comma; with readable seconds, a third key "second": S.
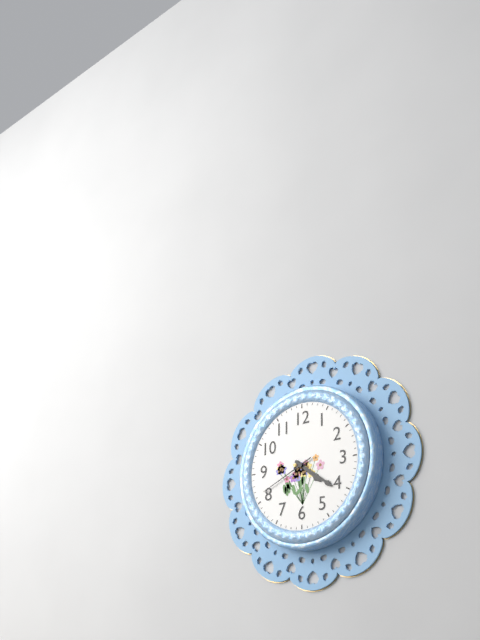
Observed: {"hour": 4, "minute": 21, "second": 41}
